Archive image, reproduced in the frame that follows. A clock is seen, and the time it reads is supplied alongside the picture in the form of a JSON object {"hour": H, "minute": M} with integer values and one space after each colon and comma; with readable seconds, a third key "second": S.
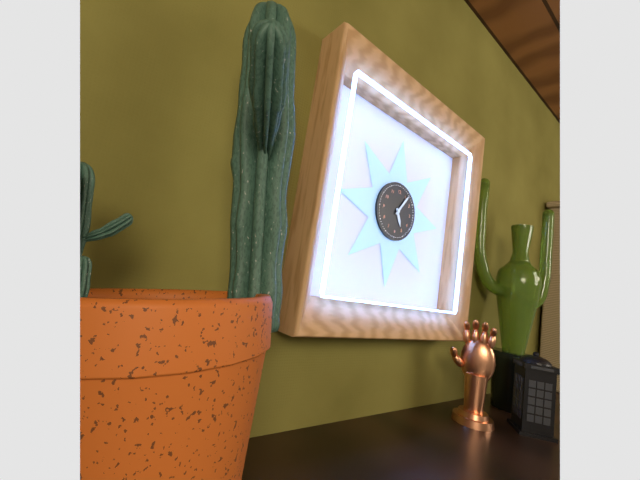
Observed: {"hour": 5, "minute": 6}
